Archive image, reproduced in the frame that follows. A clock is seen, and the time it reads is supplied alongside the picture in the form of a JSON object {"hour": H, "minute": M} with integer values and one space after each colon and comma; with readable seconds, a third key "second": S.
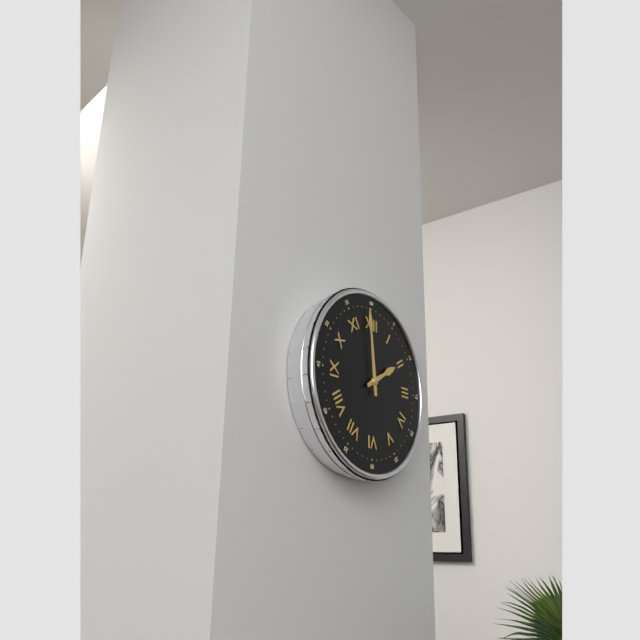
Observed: {"hour": 1, "minute": 59}
